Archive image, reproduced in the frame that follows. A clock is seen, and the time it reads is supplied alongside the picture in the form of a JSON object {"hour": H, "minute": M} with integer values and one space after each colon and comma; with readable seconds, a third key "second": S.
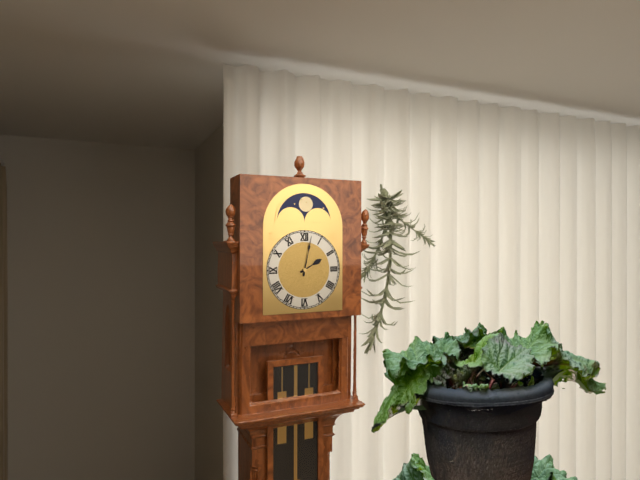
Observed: {"hour": 2, "minute": 2}
